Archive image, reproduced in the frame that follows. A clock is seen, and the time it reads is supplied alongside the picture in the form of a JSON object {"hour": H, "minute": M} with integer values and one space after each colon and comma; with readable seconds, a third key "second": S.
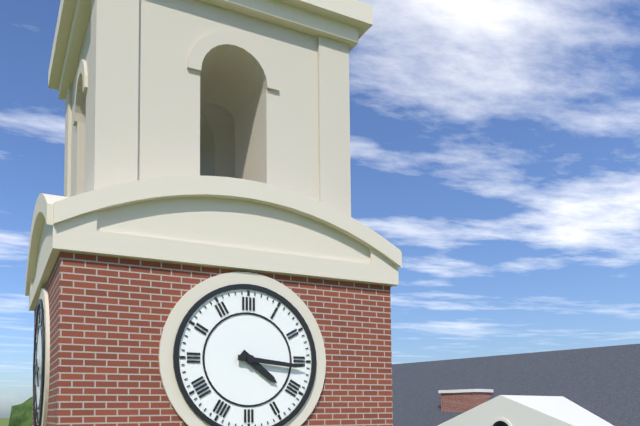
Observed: {"hour": 4, "minute": 16}
